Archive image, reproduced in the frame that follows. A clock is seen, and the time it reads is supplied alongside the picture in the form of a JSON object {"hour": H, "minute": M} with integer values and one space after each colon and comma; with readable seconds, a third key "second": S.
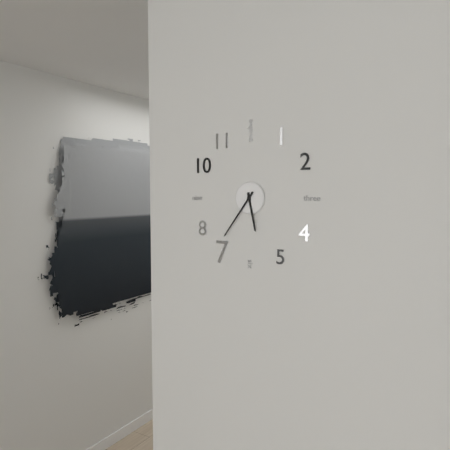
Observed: {"hour": 5, "minute": 36}
